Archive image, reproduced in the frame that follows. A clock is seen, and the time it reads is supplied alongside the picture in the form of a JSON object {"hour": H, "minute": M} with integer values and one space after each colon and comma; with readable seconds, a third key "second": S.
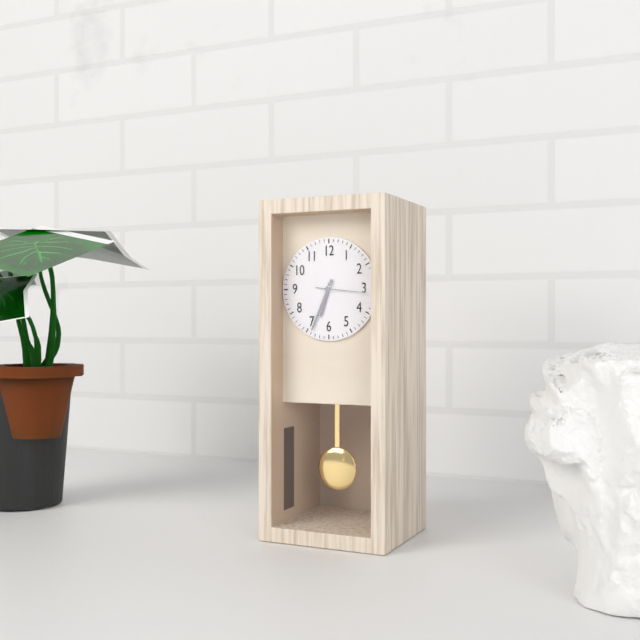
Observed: {"hour": 6, "minute": 34, "second": 16}
